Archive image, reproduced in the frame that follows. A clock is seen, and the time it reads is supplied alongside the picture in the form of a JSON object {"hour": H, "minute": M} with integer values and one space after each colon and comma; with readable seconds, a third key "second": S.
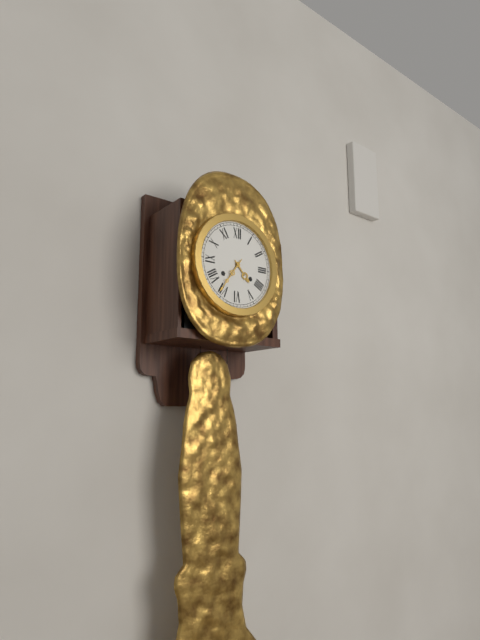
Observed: {"hour": 4, "minute": 36}
